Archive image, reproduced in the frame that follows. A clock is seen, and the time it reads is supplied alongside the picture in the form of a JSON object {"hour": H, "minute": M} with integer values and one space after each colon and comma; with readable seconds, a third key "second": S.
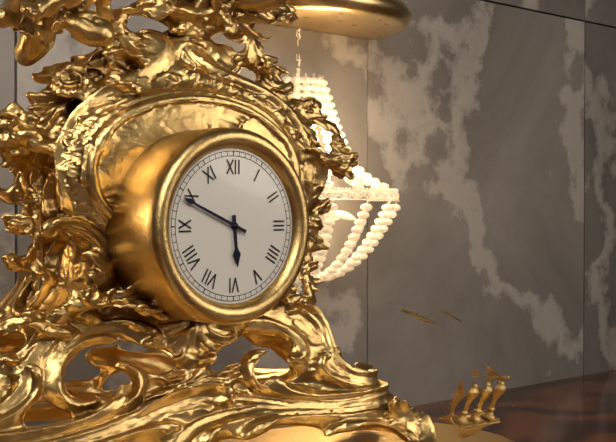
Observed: {"hour": 5, "minute": 49}
